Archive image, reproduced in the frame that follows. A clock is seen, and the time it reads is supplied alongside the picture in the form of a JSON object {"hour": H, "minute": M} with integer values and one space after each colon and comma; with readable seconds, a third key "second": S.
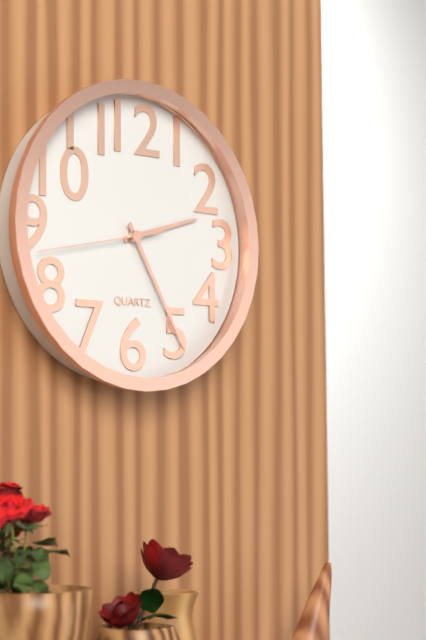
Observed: {"hour": 2, "minute": 25, "second": 43}
